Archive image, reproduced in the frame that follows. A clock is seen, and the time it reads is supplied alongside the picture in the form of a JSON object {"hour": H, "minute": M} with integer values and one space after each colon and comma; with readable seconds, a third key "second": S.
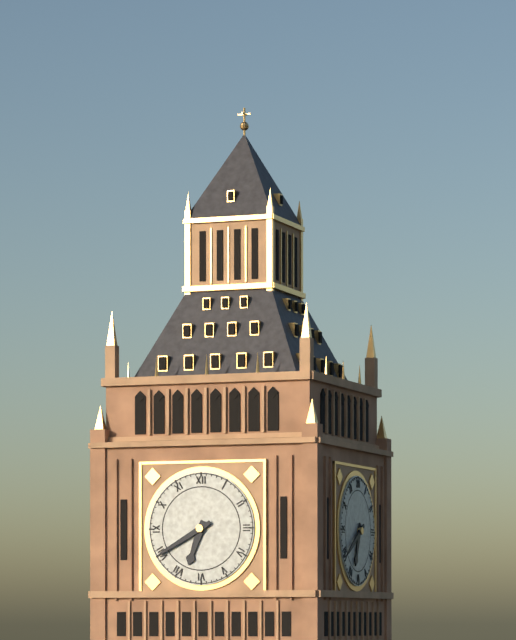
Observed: {"hour": 6, "minute": 40}
